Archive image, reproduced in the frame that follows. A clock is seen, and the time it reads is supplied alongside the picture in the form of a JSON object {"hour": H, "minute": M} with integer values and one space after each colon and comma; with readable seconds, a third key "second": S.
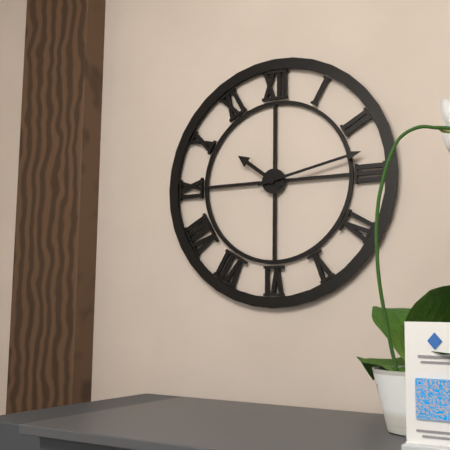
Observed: {"hour": 10, "minute": 13}
